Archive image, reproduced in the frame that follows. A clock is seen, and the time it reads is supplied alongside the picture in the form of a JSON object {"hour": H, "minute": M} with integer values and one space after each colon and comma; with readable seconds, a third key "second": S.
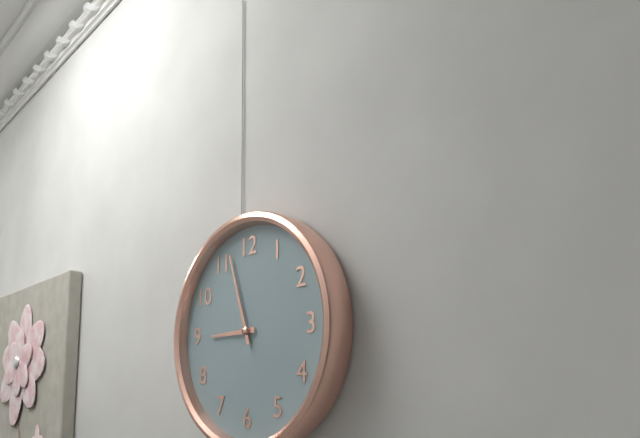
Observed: {"hour": 8, "minute": 57}
